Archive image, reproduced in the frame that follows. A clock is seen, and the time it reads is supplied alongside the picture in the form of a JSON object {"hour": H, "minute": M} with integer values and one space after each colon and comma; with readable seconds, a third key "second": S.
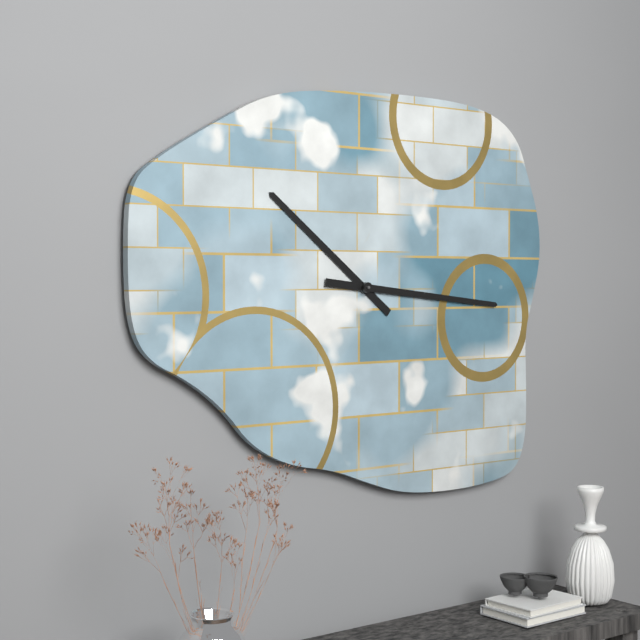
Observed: {"hour": 10, "minute": 16}
